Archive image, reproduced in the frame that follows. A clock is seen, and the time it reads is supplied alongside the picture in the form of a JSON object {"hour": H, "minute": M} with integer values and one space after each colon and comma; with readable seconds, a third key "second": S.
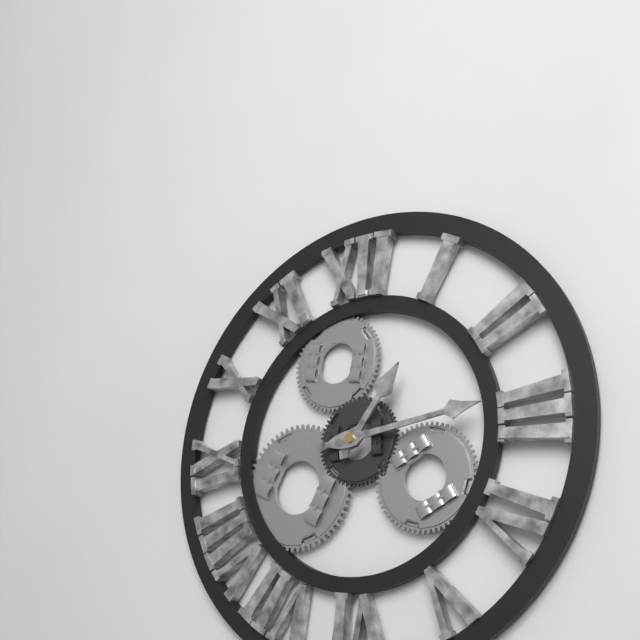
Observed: {"hour": 1, "minute": 14}
